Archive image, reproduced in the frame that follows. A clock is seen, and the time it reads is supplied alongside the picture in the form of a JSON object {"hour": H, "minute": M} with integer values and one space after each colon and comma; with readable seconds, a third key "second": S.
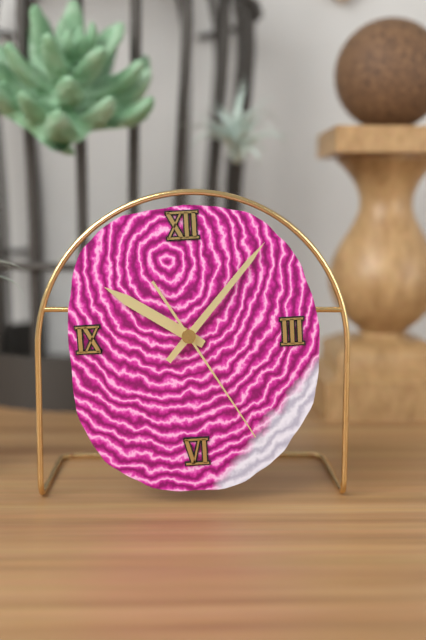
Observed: {"hour": 10, "minute": 7, "second": 25}
